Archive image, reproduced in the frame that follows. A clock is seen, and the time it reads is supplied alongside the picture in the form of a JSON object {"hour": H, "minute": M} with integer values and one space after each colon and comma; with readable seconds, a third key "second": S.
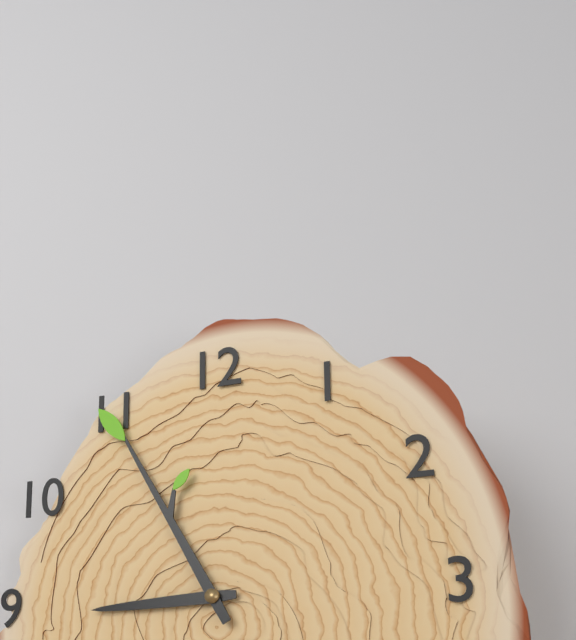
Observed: {"hour": 8, "minute": 55}
